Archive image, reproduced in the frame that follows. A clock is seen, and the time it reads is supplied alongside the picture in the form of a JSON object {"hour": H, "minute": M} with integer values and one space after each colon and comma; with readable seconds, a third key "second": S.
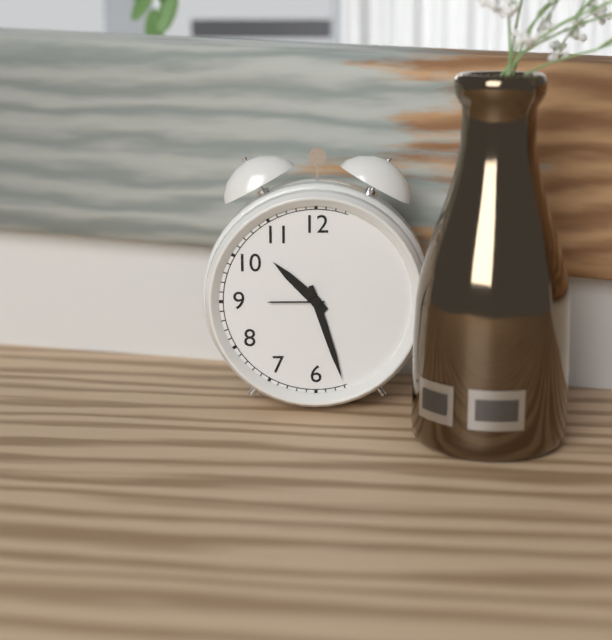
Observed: {"hour": 10, "minute": 27}
